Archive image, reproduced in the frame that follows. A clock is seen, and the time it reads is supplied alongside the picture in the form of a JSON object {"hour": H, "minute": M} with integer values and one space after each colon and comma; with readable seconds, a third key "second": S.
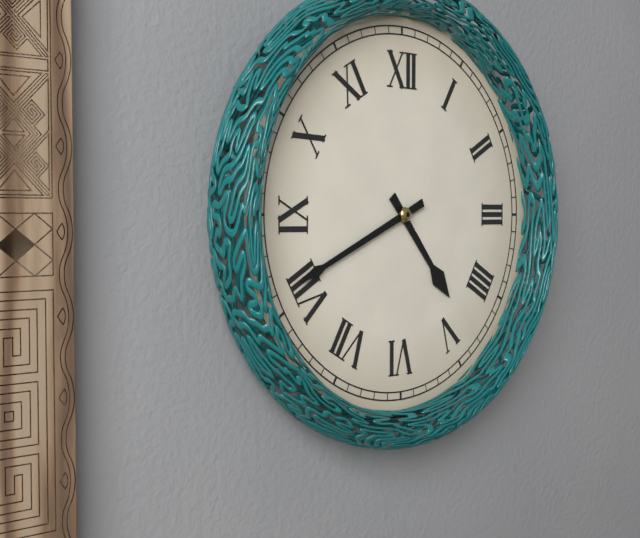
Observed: {"hour": 4, "minute": 41}
